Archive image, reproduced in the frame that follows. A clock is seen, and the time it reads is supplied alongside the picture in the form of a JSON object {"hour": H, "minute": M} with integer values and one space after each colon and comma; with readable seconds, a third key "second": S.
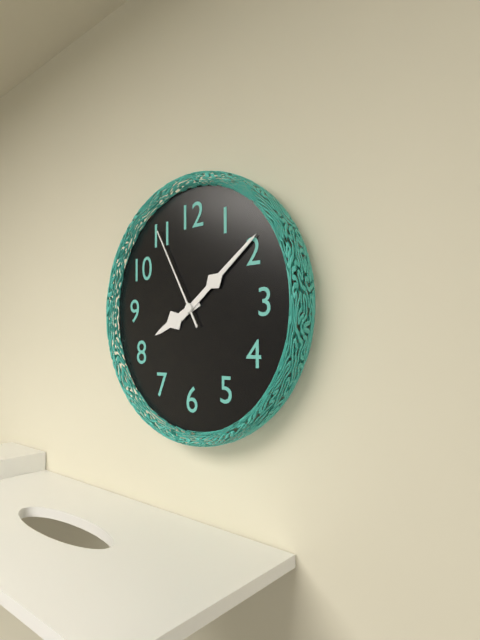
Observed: {"hour": 8, "minute": 9, "second": 55}
